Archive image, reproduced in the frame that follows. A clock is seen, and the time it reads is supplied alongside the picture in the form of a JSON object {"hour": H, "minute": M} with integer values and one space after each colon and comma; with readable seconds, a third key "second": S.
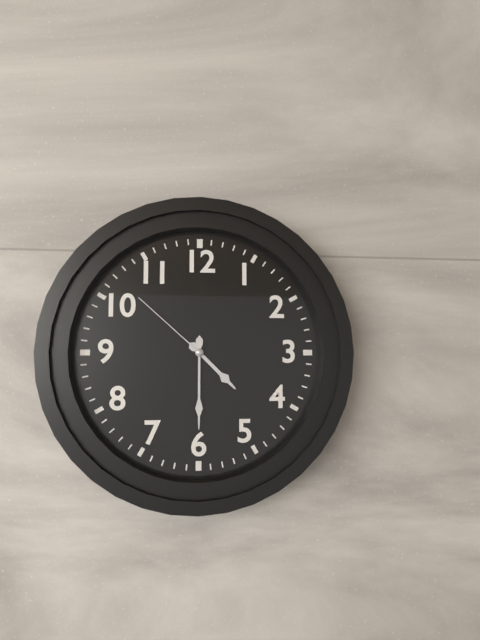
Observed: {"hour": 4, "minute": 30, "second": 52}
